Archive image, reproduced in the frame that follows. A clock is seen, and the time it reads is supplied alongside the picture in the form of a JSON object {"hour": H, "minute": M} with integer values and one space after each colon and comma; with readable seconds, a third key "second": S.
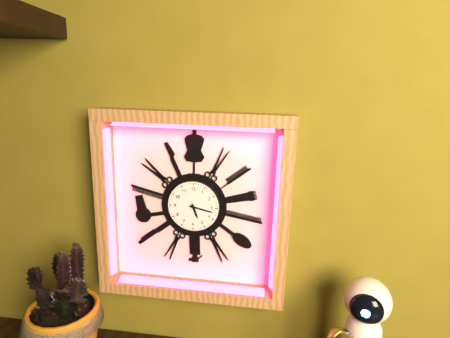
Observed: {"hour": 5, "minute": 17}
